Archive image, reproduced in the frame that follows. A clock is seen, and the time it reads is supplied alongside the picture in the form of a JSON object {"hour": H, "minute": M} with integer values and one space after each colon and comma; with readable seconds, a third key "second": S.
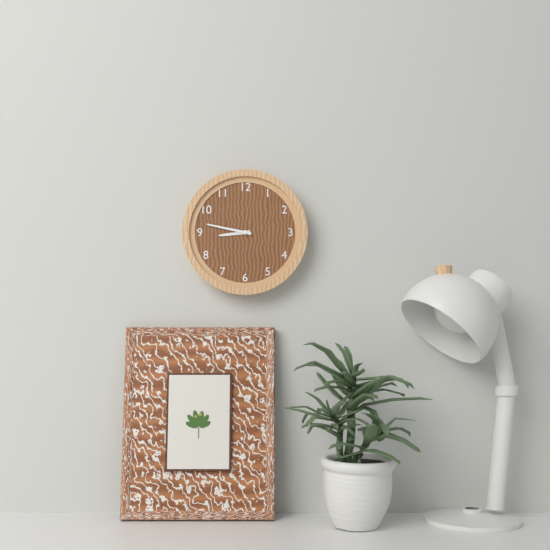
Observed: {"hour": 8, "minute": 47}
